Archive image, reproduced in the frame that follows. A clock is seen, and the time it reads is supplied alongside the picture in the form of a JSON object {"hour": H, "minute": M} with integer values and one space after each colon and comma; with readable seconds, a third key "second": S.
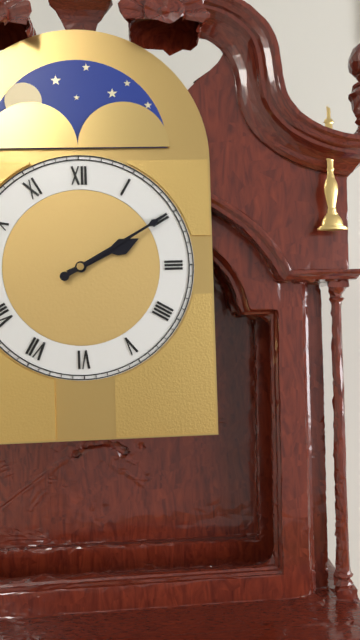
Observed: {"hour": 2, "minute": 10}
